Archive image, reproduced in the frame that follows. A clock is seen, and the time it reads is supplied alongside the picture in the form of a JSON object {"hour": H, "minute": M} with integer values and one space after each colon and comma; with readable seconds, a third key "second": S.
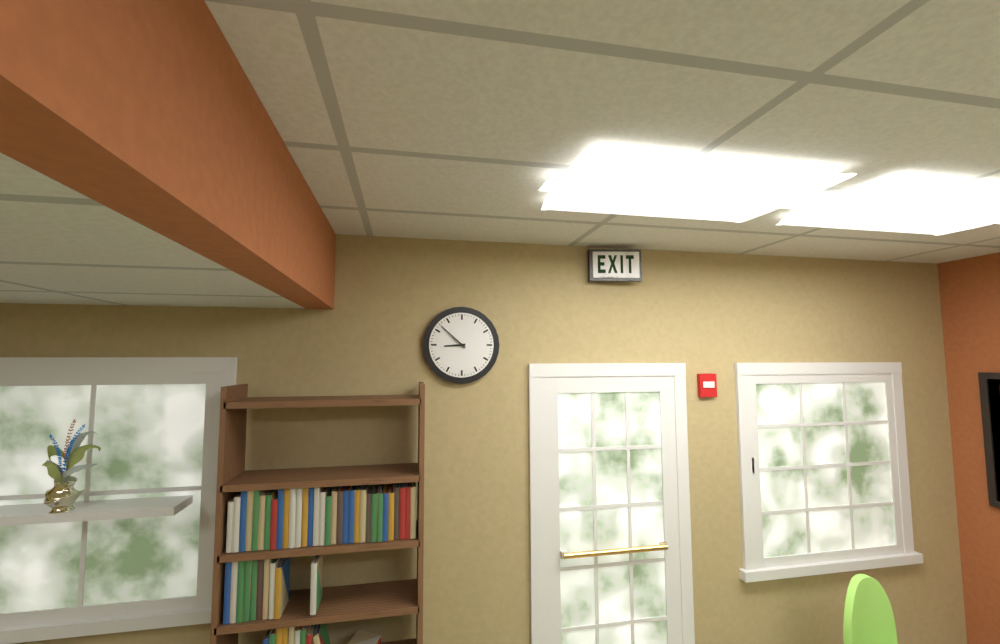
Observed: {"hour": 8, "minute": 52}
